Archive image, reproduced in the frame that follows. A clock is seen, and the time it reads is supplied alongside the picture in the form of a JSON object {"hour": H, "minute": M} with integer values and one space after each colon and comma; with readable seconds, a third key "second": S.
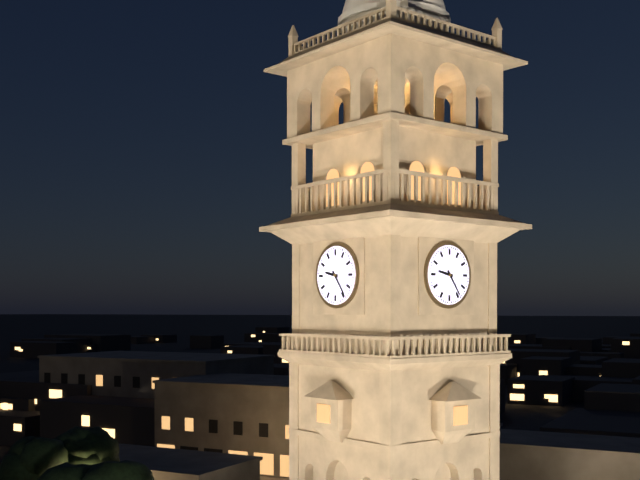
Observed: {"hour": 9, "minute": 24}
